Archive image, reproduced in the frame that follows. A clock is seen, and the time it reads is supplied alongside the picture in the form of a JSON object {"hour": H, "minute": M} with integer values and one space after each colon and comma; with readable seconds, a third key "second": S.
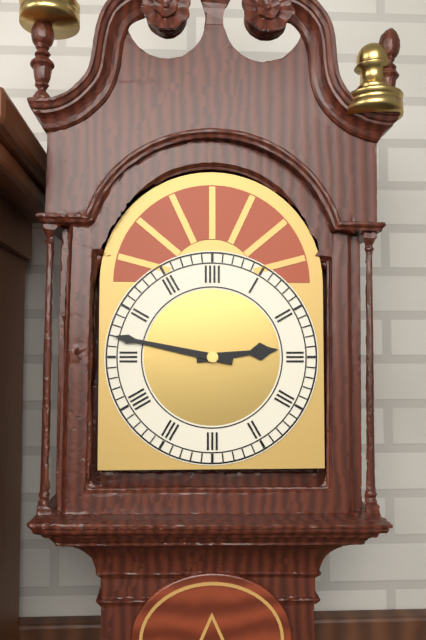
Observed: {"hour": 2, "minute": 47}
